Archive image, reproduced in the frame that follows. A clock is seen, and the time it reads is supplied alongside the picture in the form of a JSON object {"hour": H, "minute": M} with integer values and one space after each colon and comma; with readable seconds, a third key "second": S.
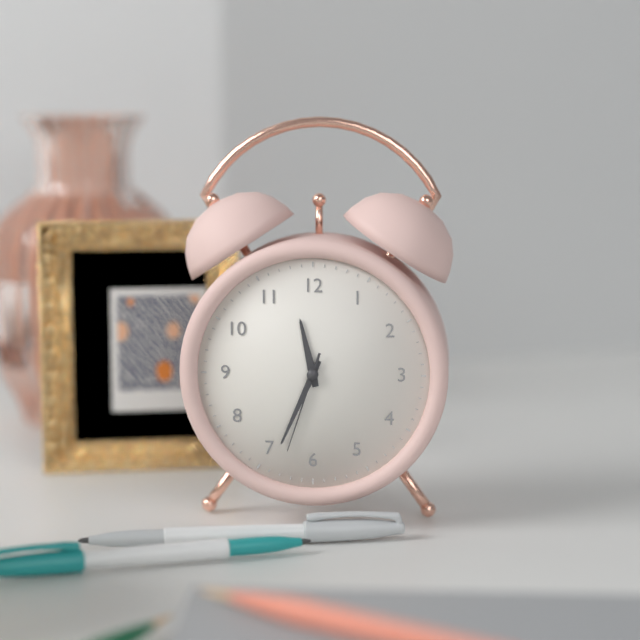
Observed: {"hour": 11, "minute": 34, "second": 33}
